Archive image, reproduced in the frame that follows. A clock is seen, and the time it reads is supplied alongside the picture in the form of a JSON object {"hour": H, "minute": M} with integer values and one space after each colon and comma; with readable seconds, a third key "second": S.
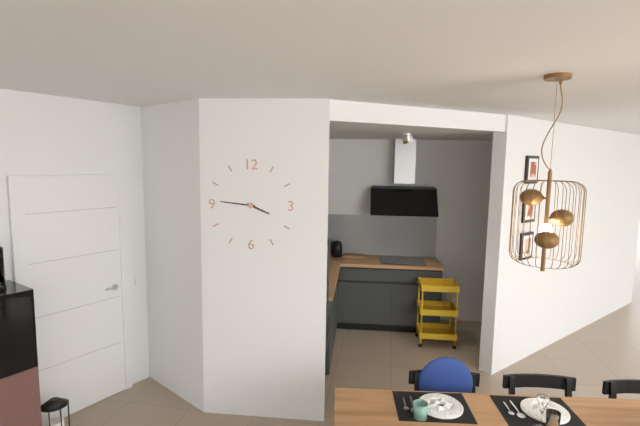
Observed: {"hour": 3, "minute": 46}
